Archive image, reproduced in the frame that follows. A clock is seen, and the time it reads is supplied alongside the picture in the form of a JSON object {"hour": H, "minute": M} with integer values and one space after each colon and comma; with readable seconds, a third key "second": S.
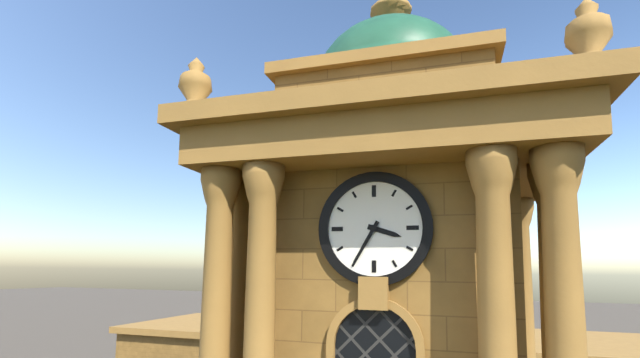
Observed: {"hour": 3, "minute": 35}
